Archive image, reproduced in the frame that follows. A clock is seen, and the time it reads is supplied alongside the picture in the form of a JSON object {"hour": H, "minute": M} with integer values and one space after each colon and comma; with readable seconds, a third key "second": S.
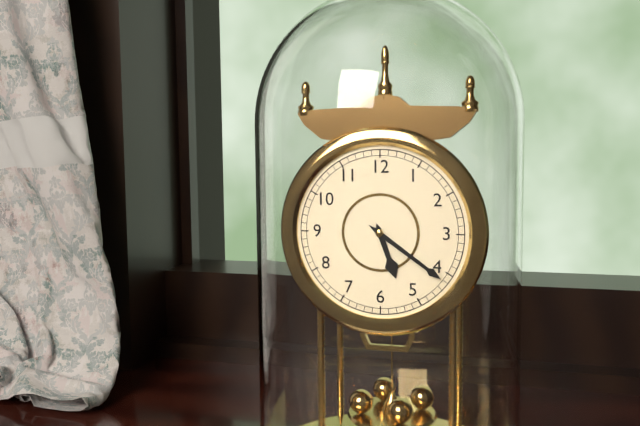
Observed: {"hour": 5, "minute": 21}
